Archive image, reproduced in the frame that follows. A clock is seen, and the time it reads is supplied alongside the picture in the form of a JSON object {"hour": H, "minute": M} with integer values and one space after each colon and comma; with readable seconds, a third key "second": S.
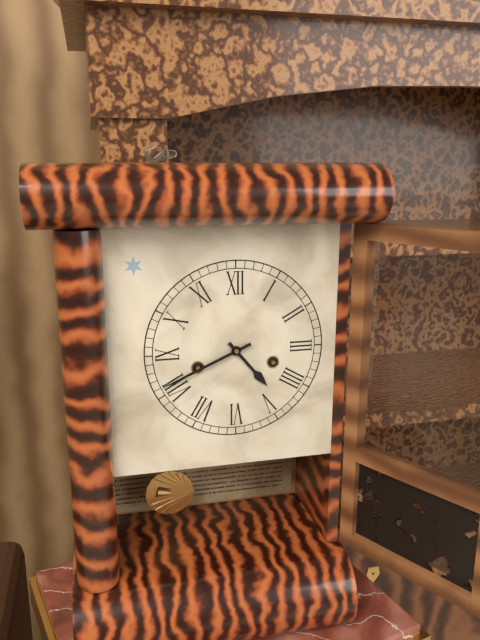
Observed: {"hour": 4, "minute": 41}
